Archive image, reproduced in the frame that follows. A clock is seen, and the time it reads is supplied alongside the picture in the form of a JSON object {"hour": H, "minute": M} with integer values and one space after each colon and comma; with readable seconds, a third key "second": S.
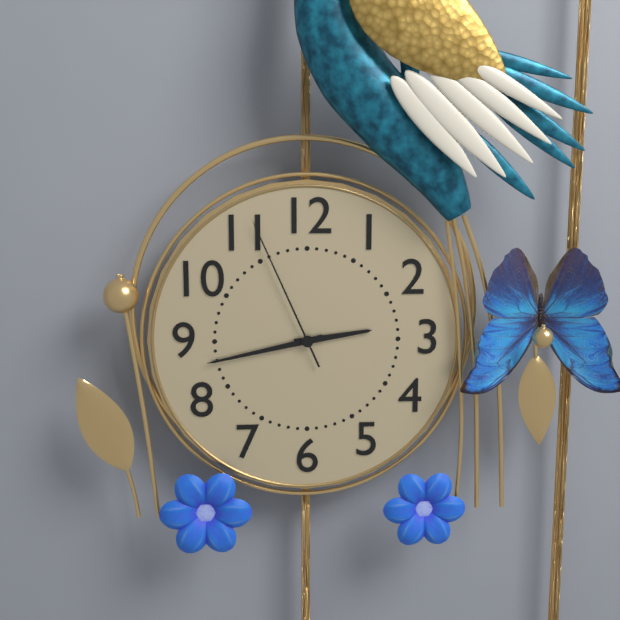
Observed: {"hour": 2, "minute": 43, "second": 56}
